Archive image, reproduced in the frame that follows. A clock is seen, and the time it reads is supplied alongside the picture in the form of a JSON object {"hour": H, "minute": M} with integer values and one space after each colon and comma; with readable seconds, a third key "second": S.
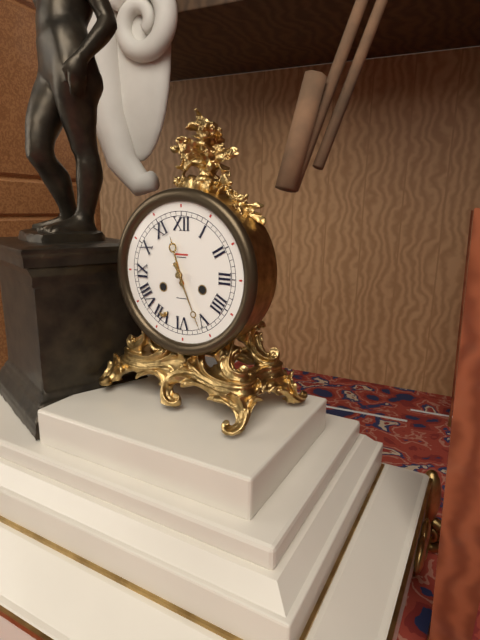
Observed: {"hour": 11, "minute": 26}
